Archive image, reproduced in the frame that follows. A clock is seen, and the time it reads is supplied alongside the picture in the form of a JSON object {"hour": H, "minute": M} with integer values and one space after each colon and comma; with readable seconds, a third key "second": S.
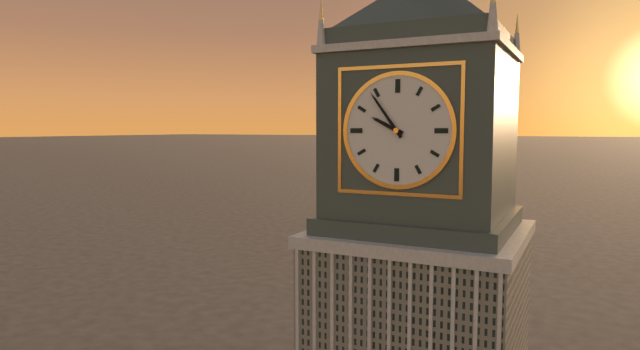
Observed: {"hour": 9, "minute": 54}
